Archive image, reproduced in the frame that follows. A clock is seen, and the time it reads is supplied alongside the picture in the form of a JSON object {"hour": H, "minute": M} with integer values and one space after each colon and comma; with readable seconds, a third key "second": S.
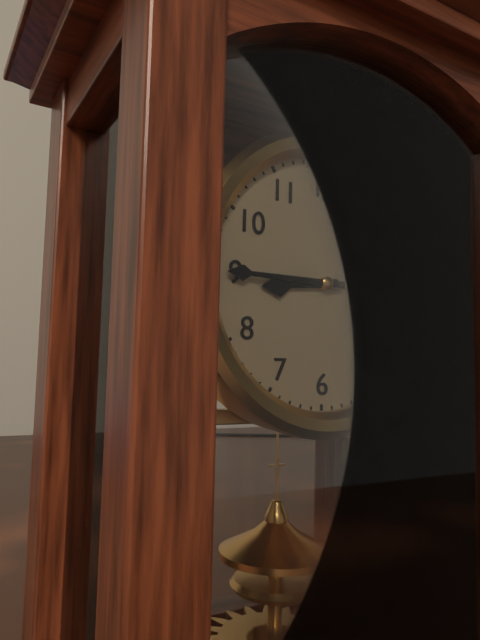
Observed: {"hour": 8, "minute": 45}
